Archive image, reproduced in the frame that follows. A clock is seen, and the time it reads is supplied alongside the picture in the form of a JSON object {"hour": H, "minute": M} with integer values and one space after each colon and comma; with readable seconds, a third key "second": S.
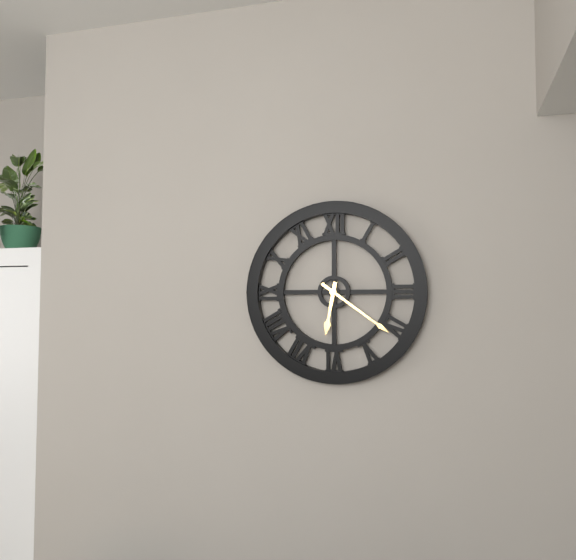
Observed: {"hour": 6, "minute": 21}
